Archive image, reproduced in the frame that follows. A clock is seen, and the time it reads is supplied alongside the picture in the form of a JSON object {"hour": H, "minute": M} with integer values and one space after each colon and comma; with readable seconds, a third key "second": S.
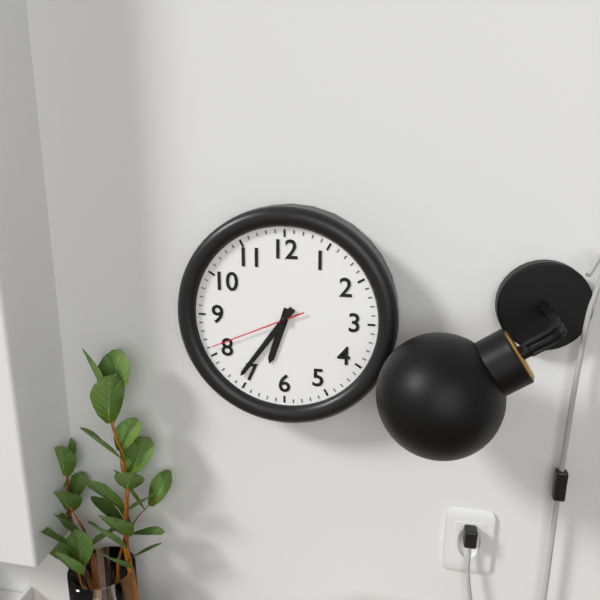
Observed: {"hour": 6, "minute": 36, "second": 41}
